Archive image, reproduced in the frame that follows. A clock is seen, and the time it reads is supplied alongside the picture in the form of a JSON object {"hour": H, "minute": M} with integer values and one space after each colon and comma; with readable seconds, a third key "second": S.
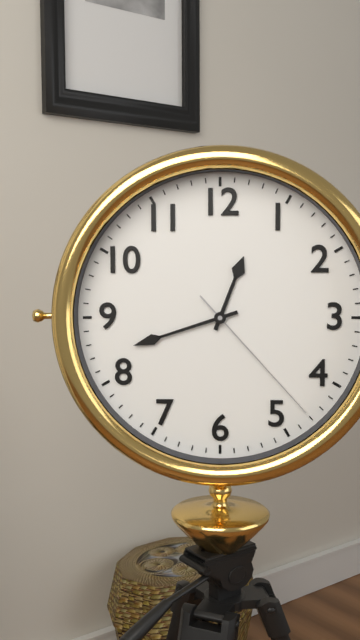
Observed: {"hour": 12, "minute": 42, "second": 23}
